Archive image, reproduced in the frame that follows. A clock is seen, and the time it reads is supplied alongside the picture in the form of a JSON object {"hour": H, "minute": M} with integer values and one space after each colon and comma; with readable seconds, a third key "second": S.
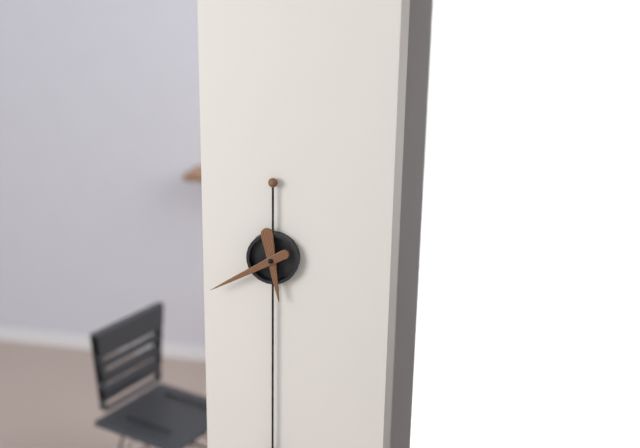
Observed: {"hour": 5, "minute": 40}
